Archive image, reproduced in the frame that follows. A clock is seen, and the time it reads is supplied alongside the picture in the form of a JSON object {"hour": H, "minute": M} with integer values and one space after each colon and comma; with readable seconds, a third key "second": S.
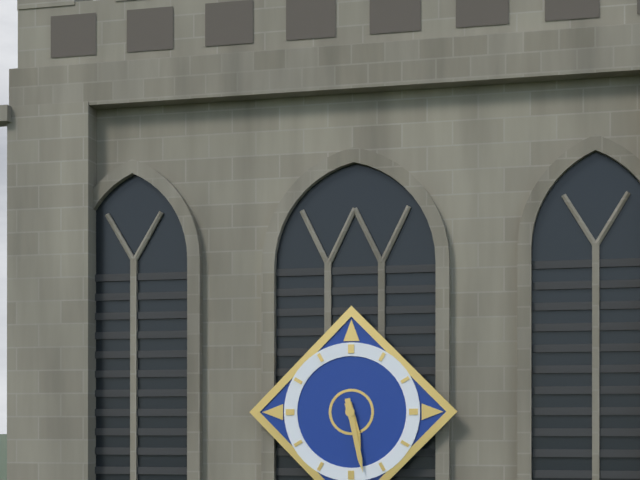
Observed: {"hour": 5, "minute": 28}
